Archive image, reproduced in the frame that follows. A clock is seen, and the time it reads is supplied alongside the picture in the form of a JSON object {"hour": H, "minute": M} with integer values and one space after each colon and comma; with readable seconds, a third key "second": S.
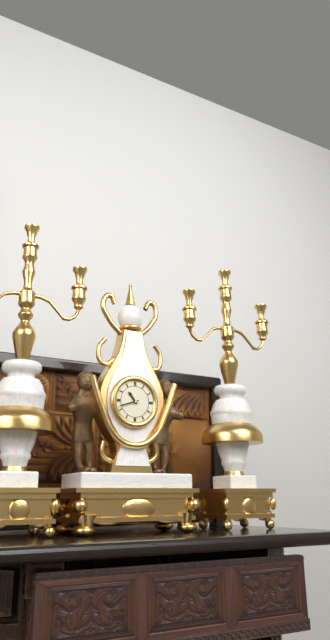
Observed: {"hour": 10, "minute": 42}
